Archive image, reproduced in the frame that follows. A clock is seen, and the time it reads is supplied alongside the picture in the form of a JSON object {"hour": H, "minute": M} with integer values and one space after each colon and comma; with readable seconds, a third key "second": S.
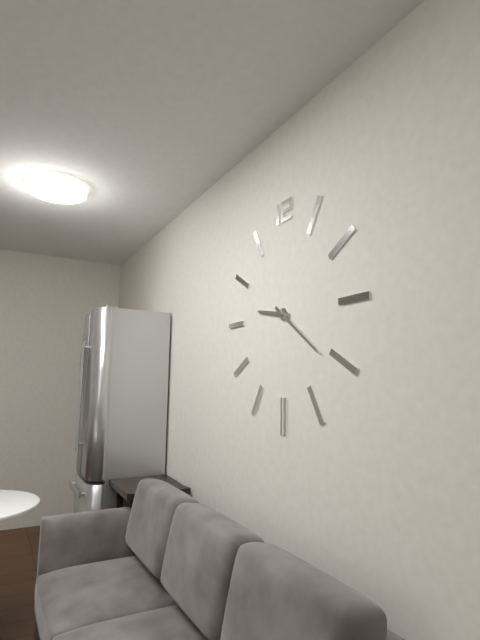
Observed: {"hour": 9, "minute": 21}
